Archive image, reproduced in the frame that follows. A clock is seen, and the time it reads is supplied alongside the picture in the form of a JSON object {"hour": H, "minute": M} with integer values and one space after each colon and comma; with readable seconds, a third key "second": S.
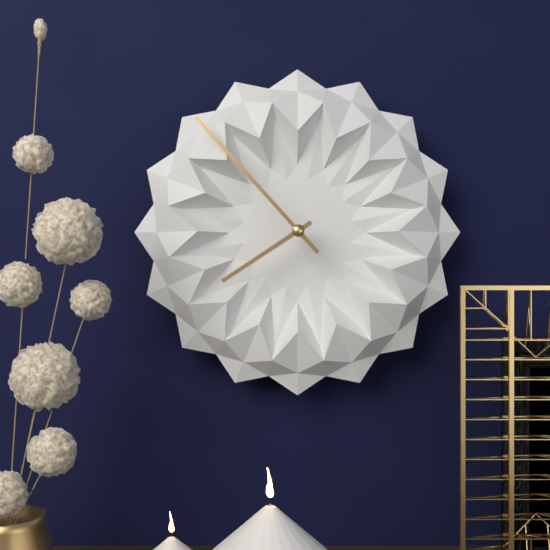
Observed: {"hour": 7, "minute": 53}
